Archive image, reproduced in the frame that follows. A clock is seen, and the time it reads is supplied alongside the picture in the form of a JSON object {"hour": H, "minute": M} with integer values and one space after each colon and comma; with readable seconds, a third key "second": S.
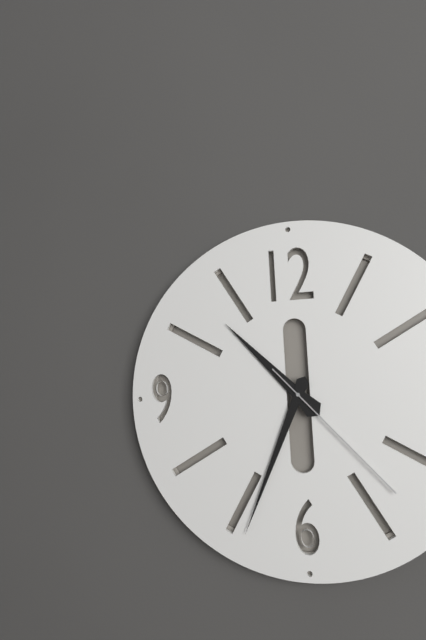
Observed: {"hour": 10, "minute": 34, "second": 23}
